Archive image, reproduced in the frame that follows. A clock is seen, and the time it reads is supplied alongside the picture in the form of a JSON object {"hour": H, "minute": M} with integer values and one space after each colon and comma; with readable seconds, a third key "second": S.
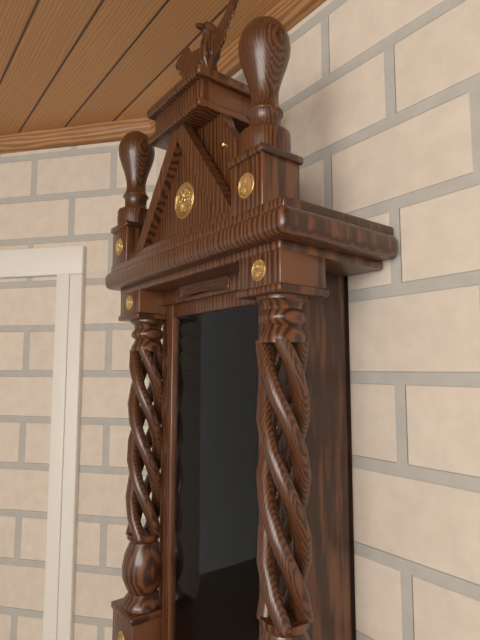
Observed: {"hour": 12, "minute": 24}
